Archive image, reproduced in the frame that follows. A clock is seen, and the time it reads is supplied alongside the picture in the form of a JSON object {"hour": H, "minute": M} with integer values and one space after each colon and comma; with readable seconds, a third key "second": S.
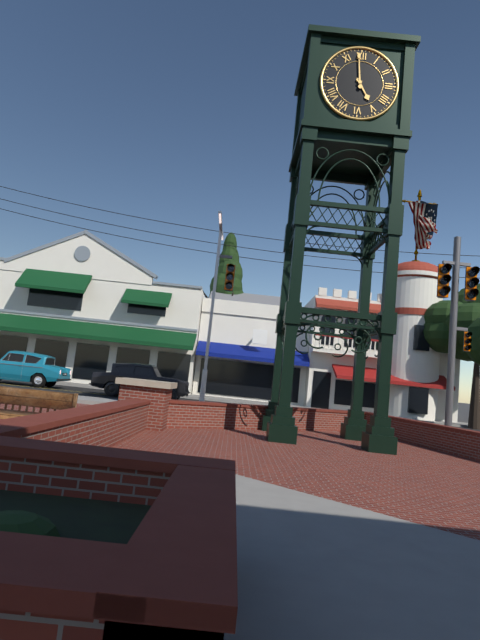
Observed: {"hour": 4, "minute": 59}
